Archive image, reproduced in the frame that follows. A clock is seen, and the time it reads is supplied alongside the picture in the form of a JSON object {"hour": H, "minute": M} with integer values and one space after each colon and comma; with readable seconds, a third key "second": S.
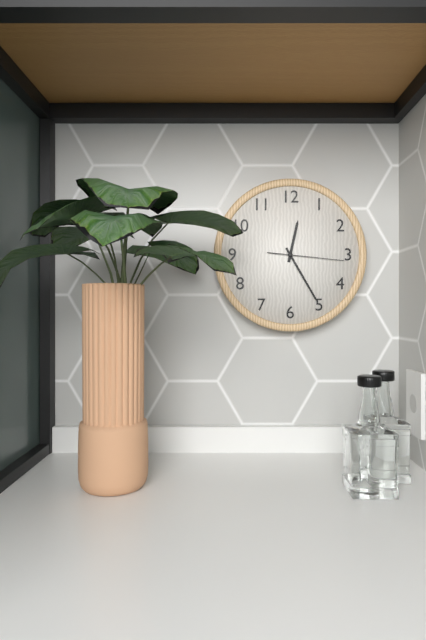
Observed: {"hour": 12, "minute": 25, "second": 16}
